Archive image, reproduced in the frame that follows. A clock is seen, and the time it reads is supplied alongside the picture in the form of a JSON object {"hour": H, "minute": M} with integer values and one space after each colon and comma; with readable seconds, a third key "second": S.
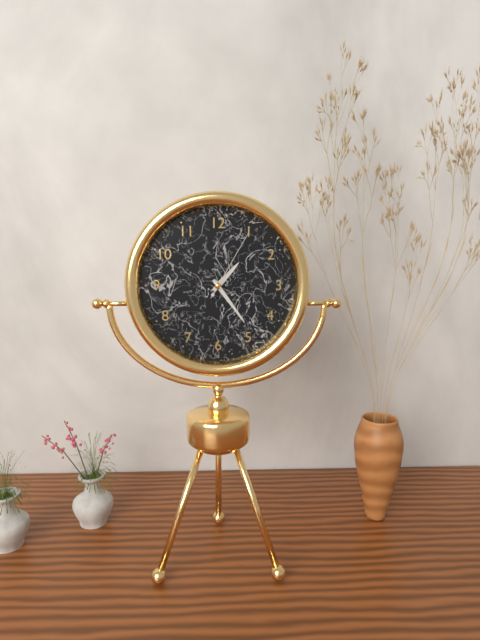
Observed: {"hour": 1, "minute": 24, "second": 5}
